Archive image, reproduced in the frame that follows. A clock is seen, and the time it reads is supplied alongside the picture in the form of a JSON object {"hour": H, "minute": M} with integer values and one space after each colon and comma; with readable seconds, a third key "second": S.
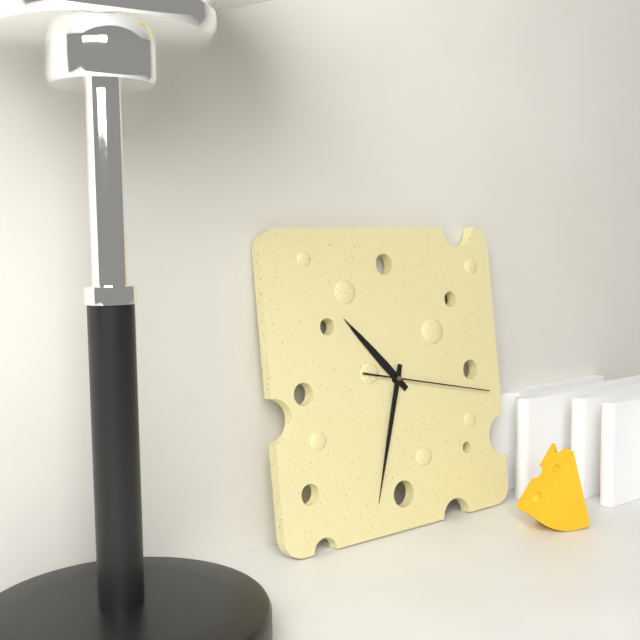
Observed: {"hour": 10, "minute": 33, "second": 17}
